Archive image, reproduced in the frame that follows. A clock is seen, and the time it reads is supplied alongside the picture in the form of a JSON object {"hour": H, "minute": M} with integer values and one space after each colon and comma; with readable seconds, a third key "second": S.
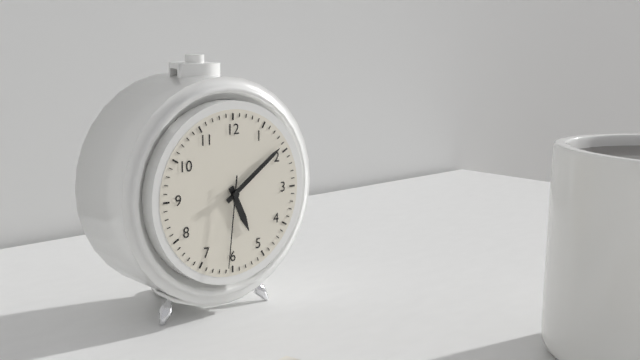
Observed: {"hour": 5, "minute": 9, "second": 31}
